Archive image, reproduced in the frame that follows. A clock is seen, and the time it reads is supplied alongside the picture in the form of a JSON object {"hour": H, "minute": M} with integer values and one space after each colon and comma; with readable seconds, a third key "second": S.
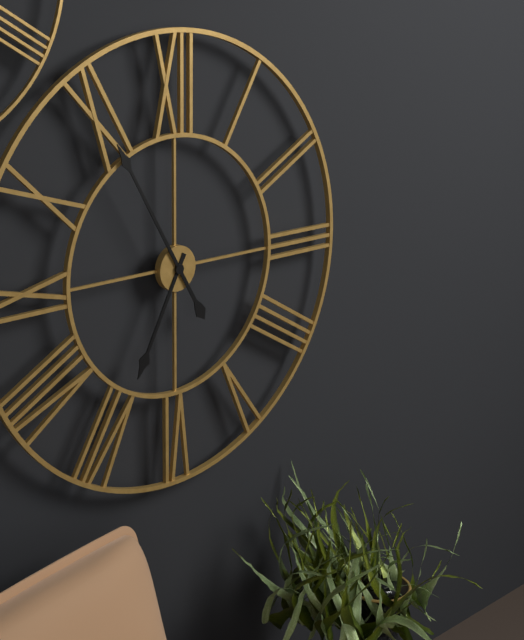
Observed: {"hour": 6, "minute": 55}
